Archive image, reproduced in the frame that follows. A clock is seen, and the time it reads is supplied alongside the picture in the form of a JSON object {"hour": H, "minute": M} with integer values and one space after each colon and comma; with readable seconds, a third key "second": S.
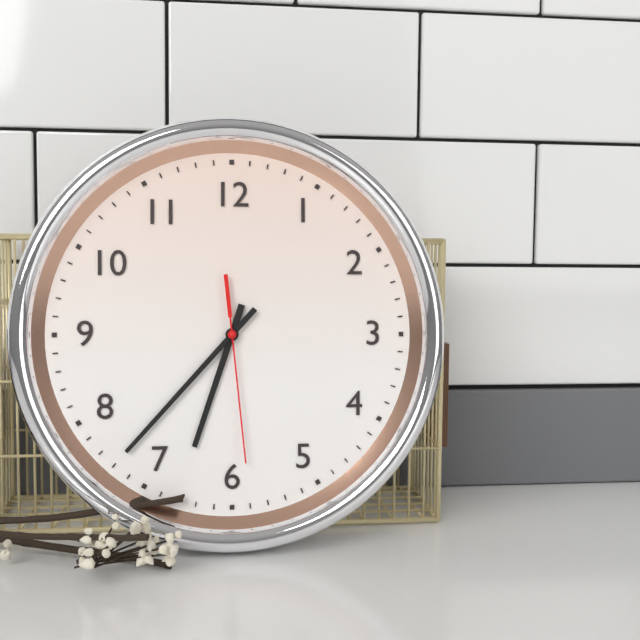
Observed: {"hour": 6, "minute": 37, "second": 29}
